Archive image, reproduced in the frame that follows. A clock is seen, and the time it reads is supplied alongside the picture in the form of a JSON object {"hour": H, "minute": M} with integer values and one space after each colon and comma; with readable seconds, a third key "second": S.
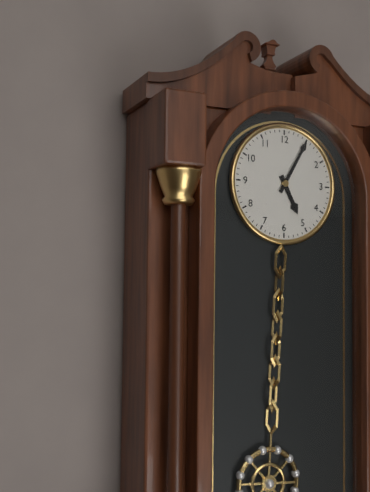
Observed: {"hour": 5, "minute": 5}
